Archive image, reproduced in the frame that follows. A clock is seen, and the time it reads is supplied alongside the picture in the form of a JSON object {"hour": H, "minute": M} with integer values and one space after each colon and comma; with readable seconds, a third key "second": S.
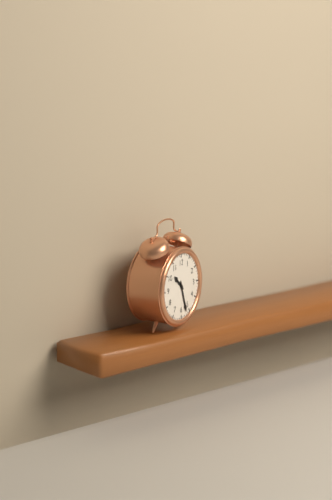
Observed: {"hour": 10, "minute": 27}
